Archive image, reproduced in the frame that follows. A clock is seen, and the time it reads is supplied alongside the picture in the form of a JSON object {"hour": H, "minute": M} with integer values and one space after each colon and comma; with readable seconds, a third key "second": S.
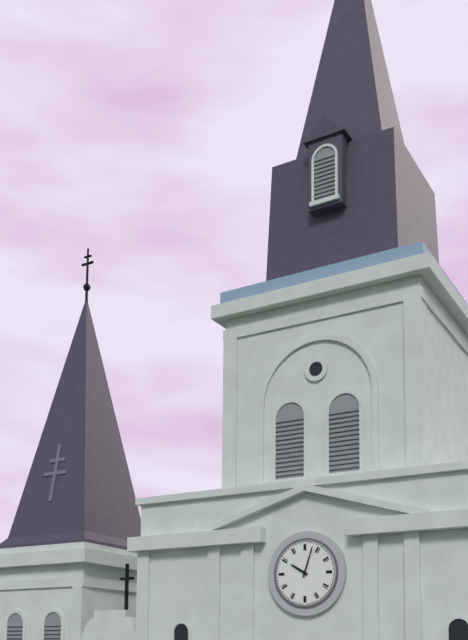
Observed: {"hour": 10, "minute": 3}
